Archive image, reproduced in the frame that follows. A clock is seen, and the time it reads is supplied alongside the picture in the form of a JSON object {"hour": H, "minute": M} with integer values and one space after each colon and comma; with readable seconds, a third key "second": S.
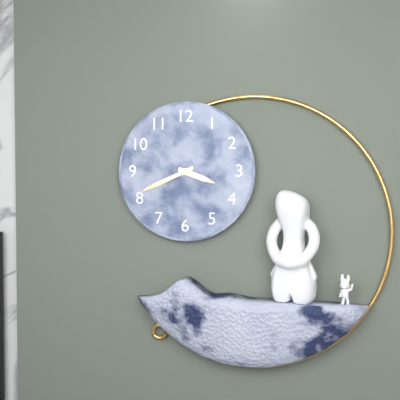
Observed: {"hour": 3, "minute": 41}
